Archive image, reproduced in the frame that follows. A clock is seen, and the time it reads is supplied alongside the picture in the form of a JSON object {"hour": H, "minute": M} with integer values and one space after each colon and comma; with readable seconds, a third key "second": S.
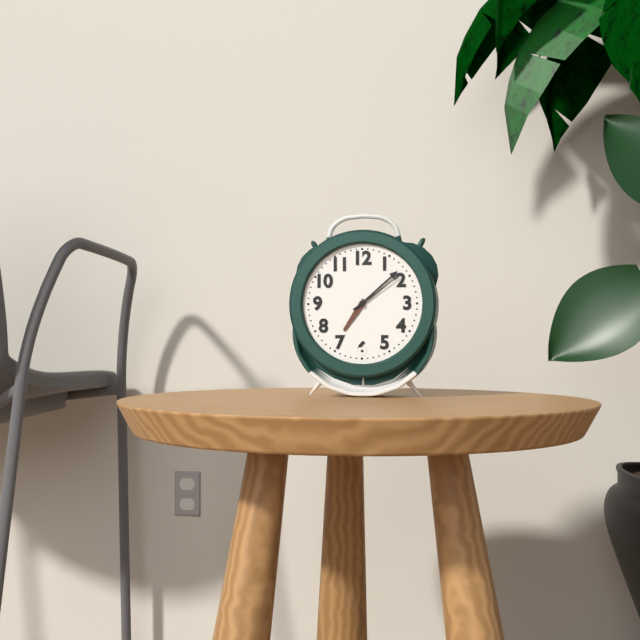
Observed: {"hour": 7, "minute": 8, "second": 9}
